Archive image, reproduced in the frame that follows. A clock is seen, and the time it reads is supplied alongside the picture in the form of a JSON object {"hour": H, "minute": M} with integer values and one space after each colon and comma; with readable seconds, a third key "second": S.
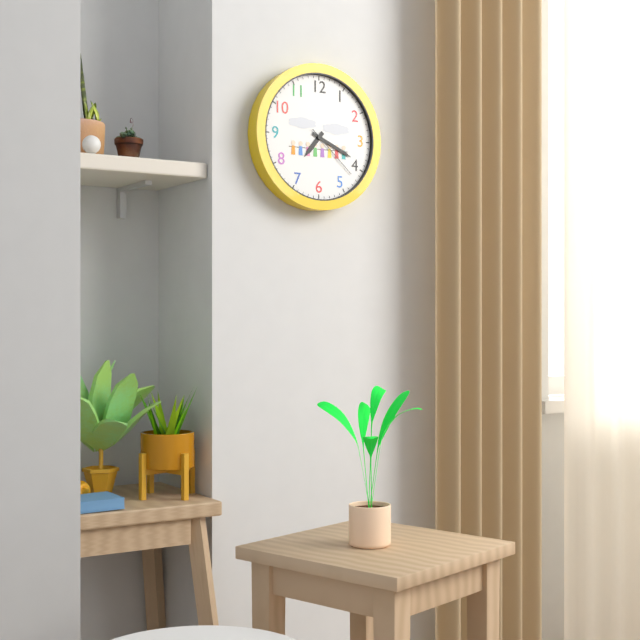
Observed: {"hour": 7, "minute": 19, "second": 22}
